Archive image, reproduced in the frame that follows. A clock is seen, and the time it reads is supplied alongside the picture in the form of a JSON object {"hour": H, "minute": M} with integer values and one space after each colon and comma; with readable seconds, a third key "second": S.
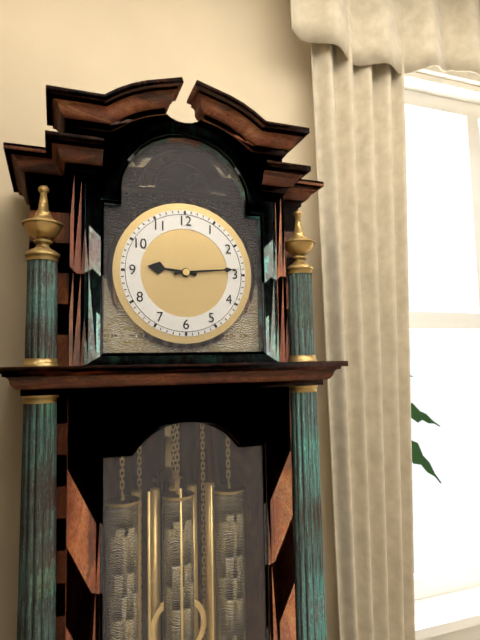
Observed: {"hour": 9, "minute": 14}
